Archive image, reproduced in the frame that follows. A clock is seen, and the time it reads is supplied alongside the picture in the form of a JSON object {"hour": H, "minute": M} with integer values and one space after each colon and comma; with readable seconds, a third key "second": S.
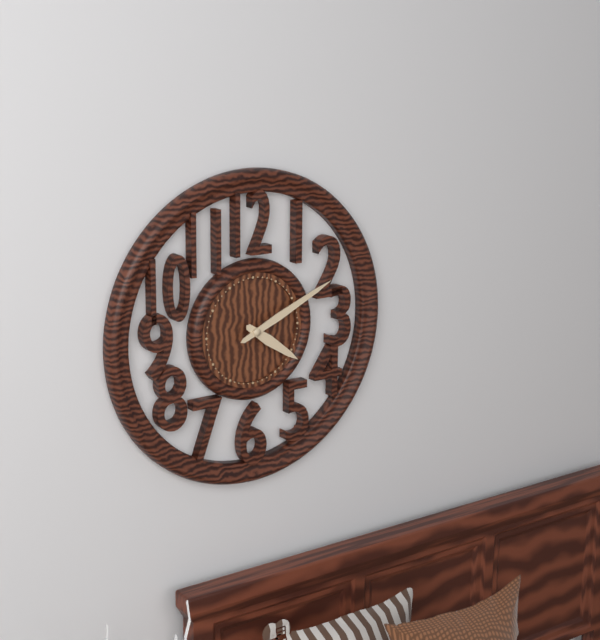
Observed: {"hour": 4, "minute": 11}
